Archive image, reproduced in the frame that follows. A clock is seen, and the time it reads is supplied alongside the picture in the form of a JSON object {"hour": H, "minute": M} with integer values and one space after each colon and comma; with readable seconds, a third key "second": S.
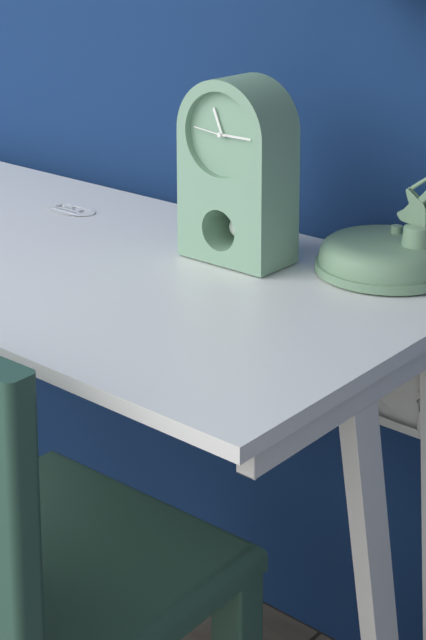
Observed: {"hour": 11, "minute": 15}
